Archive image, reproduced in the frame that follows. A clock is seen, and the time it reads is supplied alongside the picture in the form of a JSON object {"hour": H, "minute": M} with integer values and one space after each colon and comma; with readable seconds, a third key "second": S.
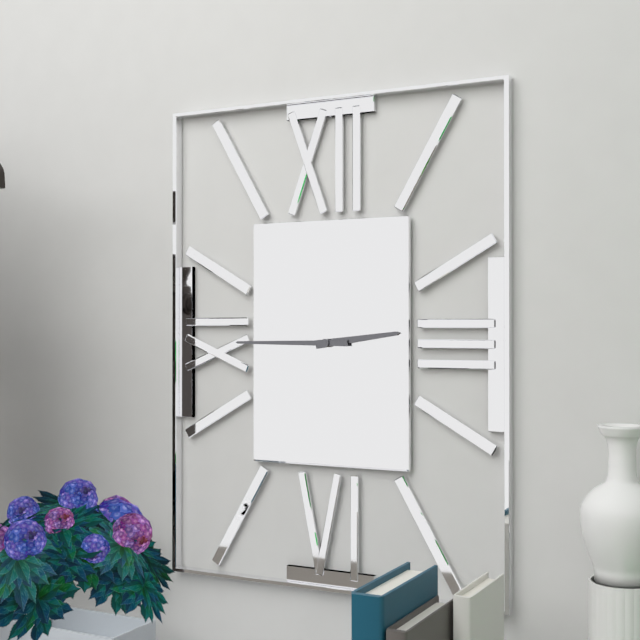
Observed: {"hour": 2, "minute": 45}
